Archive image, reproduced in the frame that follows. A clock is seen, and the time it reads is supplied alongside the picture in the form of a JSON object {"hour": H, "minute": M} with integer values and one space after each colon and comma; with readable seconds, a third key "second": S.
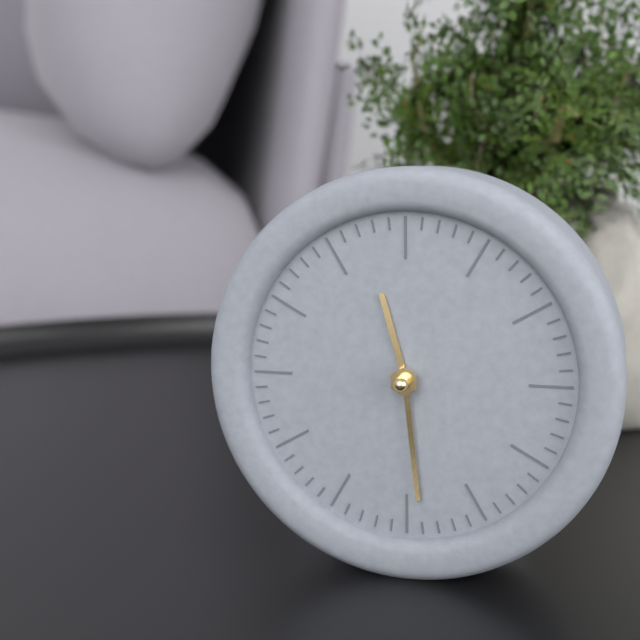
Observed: {"hour": 11, "minute": 29}
